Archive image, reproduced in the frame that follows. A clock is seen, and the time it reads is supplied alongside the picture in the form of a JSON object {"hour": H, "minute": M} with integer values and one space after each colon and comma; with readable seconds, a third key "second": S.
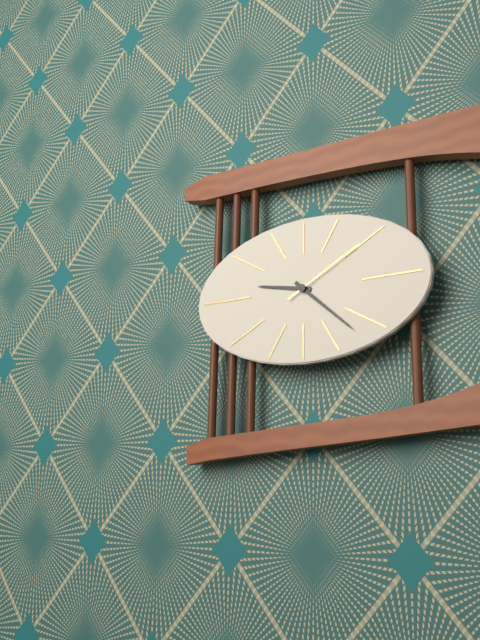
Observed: {"hour": 9, "minute": 22, "second": 10}
